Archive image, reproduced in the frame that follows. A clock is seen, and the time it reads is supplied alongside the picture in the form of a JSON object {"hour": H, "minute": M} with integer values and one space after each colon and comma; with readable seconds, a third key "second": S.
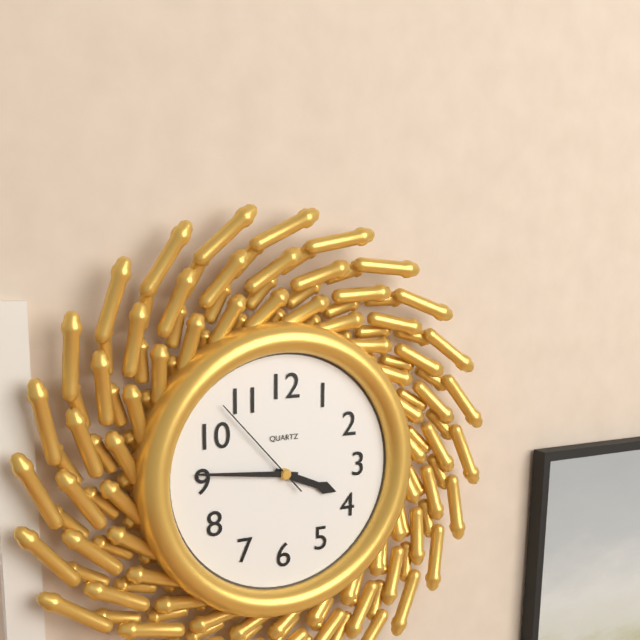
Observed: {"hour": 3, "minute": 46, "second": 53}
